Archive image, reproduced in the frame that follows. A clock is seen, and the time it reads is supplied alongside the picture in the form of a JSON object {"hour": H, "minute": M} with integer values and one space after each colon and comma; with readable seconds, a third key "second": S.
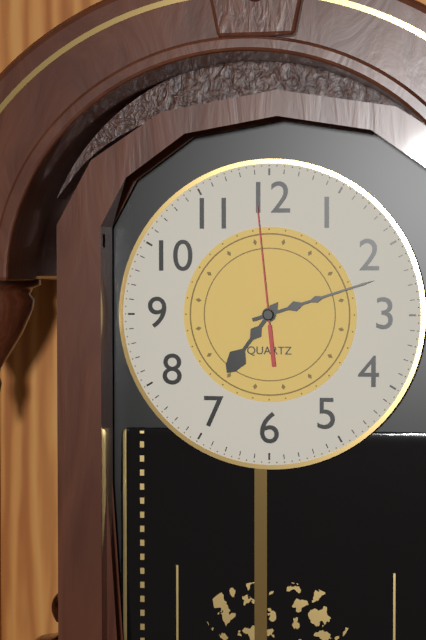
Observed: {"hour": 7, "minute": 12, "second": 59}
